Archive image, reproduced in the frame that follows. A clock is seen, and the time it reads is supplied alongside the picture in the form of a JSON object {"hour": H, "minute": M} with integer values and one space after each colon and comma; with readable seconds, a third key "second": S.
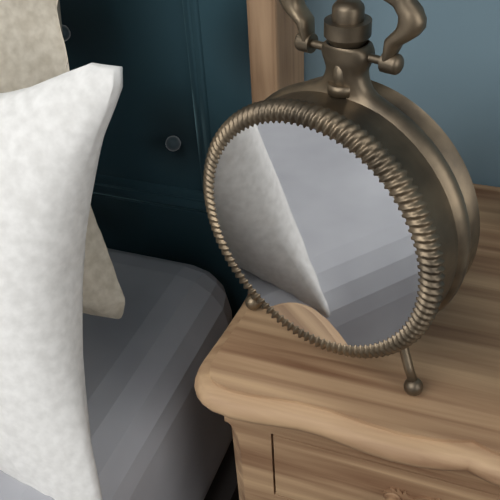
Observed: {"hour": 8, "minute": 9}
